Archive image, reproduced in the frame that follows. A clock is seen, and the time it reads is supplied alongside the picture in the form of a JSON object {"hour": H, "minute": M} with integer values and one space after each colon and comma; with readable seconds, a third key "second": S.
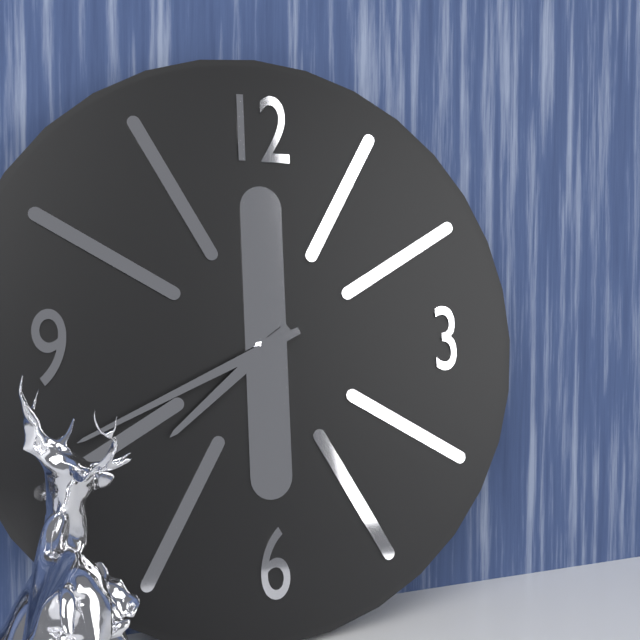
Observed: {"hour": 7, "minute": 41}
